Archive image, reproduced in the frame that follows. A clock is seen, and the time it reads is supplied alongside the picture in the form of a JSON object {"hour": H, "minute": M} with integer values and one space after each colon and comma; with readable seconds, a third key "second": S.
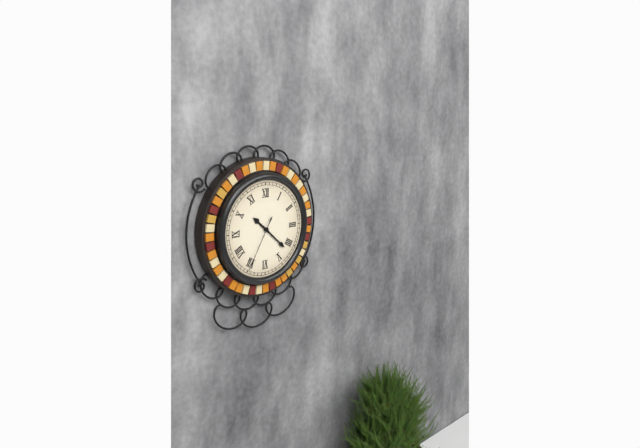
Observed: {"hour": 10, "minute": 22, "second": 35}
